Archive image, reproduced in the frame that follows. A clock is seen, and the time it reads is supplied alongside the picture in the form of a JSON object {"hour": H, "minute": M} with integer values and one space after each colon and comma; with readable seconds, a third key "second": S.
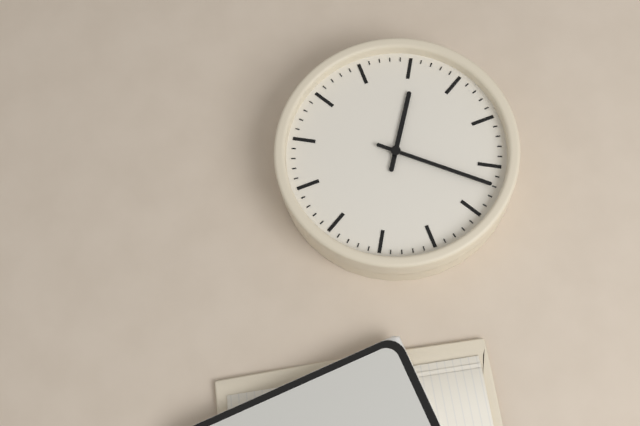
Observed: {"hour": 10, "minute": 7}
